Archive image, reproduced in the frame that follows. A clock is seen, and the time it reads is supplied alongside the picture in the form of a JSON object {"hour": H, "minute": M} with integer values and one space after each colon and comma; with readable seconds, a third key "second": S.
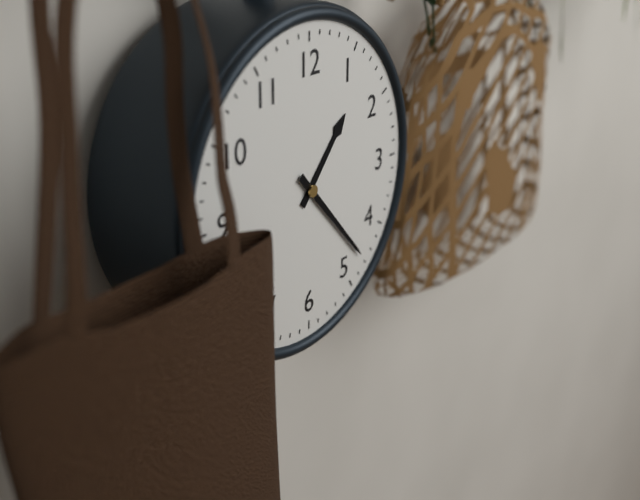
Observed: {"hour": 1, "minute": 23}
